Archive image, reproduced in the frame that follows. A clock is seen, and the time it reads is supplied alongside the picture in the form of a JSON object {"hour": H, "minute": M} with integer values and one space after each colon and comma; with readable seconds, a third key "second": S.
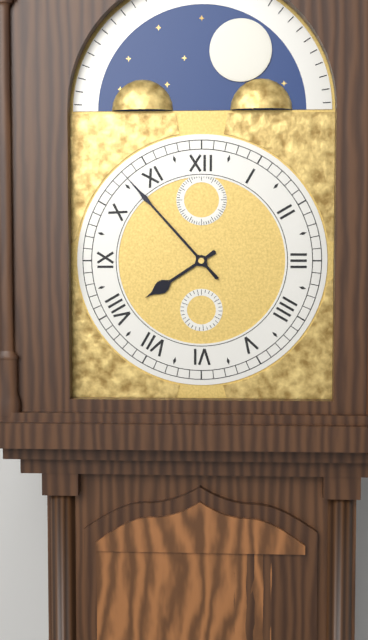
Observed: {"hour": 7, "minute": 53}
